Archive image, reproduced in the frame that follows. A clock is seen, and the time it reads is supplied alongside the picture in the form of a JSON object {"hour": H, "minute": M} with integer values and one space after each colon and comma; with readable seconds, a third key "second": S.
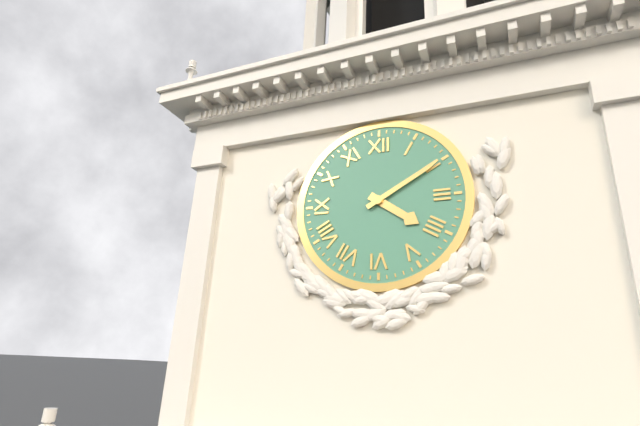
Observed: {"hour": 4, "minute": 10}
